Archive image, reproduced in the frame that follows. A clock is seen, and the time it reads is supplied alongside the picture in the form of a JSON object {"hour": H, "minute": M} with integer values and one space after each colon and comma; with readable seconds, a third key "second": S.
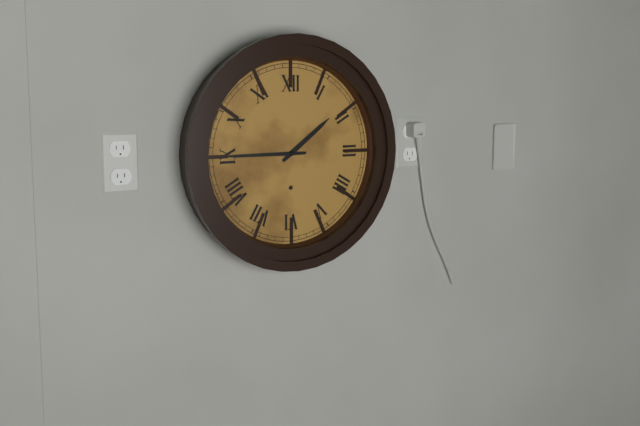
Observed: {"hour": 1, "minute": 45}
